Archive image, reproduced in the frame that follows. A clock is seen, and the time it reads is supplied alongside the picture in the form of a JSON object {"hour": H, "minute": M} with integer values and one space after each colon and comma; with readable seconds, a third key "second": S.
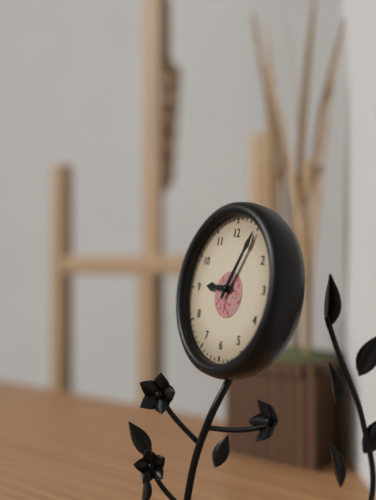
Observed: {"hour": 9, "minute": 5}
